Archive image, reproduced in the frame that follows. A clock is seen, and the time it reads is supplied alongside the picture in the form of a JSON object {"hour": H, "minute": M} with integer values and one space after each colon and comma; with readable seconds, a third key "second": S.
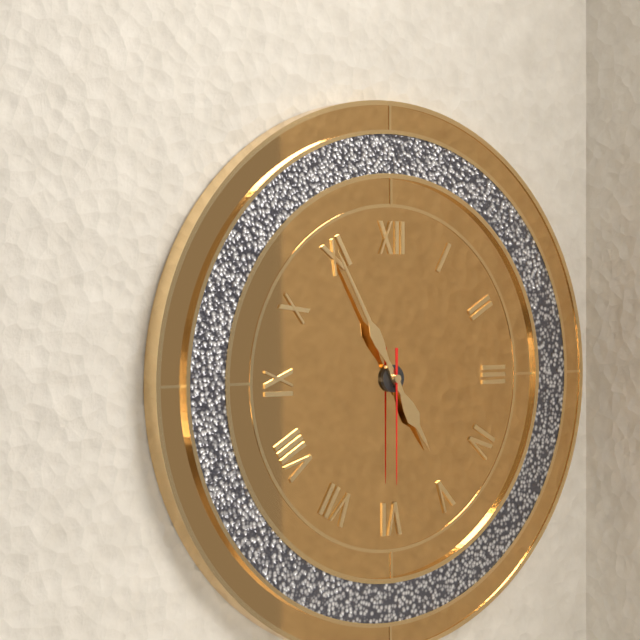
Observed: {"hour": 4, "minute": 55, "second": 30}
